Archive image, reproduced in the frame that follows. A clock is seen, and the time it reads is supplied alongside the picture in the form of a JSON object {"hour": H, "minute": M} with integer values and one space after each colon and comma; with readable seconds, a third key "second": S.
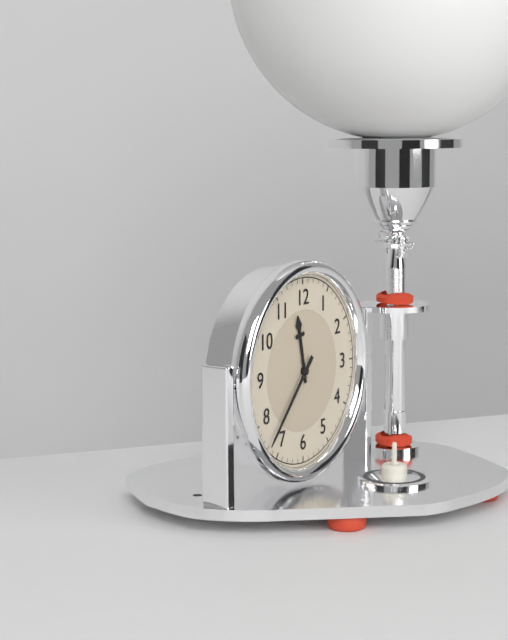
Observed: {"hour": 11, "minute": 37}
